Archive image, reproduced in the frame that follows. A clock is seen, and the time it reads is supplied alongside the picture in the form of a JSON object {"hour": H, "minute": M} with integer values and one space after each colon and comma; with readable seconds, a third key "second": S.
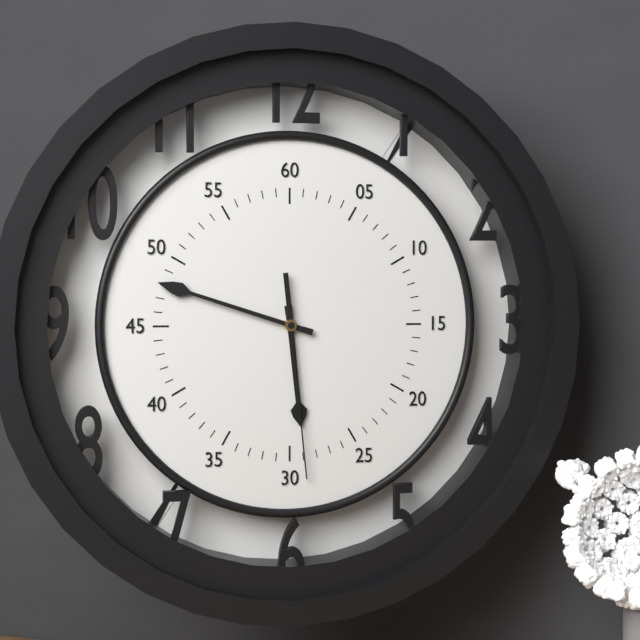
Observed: {"hour": 5, "minute": 48, "second": 29}
